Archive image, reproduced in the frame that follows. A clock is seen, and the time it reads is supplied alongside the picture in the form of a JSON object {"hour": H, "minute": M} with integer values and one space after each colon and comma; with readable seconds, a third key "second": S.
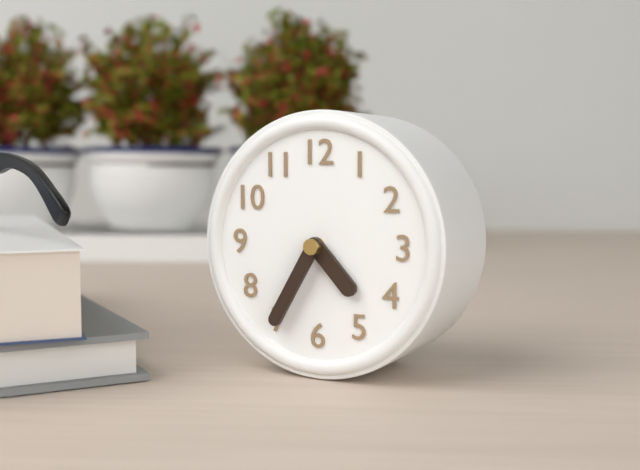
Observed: {"hour": 4, "minute": 35}
